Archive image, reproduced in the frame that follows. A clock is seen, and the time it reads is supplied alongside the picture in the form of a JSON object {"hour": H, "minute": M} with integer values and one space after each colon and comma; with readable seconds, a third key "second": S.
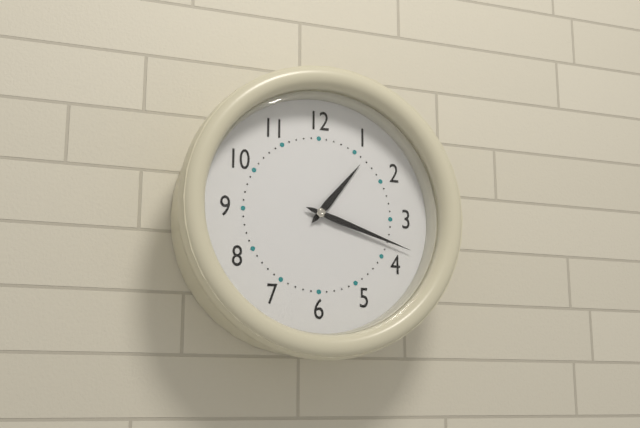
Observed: {"hour": 1, "minute": 18}
